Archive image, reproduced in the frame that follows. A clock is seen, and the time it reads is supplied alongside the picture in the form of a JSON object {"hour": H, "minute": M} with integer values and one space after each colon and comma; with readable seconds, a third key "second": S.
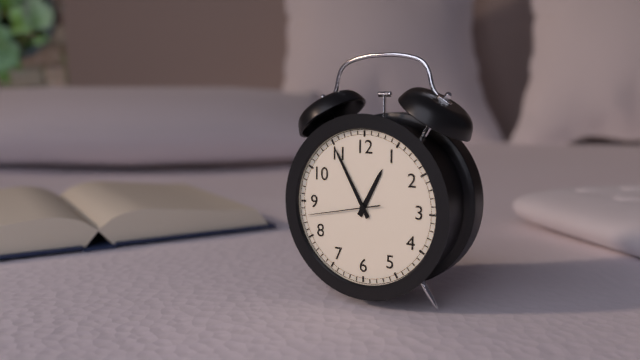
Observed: {"hour": 12, "minute": 55, "second": 43}
